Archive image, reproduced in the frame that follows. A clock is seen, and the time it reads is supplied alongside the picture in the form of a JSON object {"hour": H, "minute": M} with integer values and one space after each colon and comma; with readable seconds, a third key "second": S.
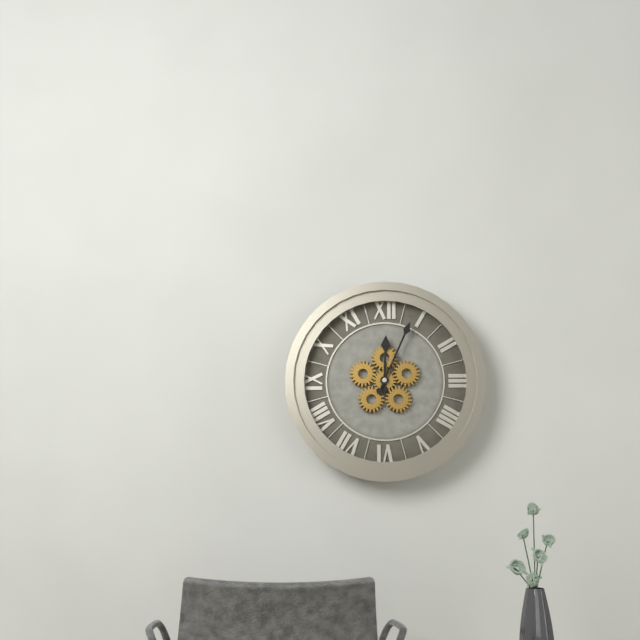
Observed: {"hour": 12, "minute": 4}
